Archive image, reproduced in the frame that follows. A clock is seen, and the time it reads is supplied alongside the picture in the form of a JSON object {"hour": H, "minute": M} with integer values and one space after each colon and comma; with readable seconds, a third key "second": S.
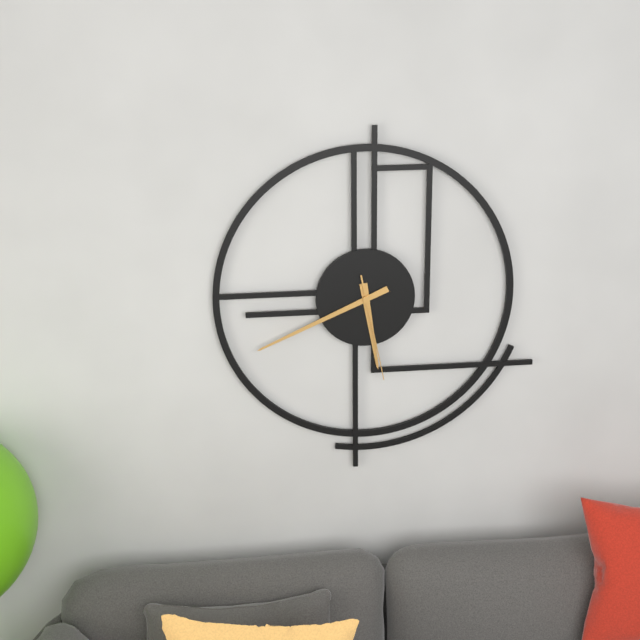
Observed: {"hour": 5, "minute": 41, "second": 28}
